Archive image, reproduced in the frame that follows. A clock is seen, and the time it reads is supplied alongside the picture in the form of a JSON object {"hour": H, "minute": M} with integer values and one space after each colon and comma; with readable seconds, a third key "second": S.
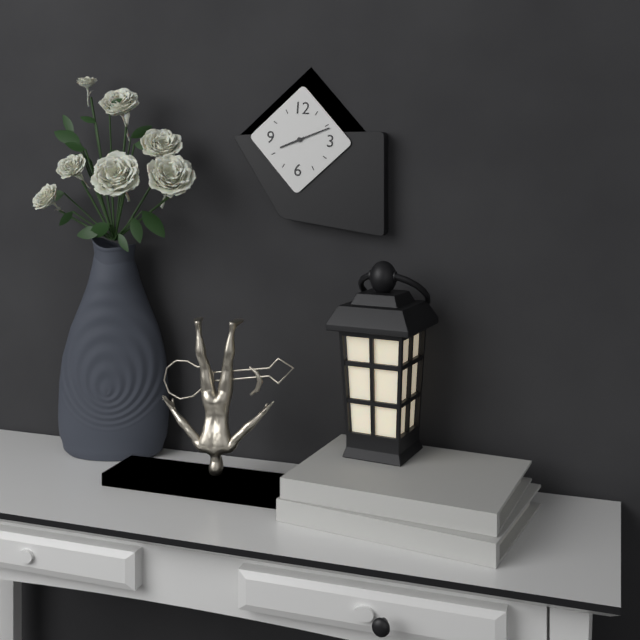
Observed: {"hour": 8, "minute": 11}
